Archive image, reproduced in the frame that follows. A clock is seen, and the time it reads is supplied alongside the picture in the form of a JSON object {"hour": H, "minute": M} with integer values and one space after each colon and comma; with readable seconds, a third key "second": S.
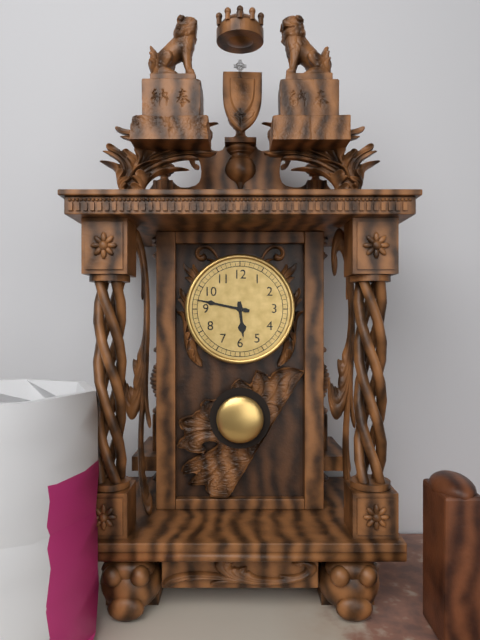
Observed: {"hour": 5, "minute": 47}
